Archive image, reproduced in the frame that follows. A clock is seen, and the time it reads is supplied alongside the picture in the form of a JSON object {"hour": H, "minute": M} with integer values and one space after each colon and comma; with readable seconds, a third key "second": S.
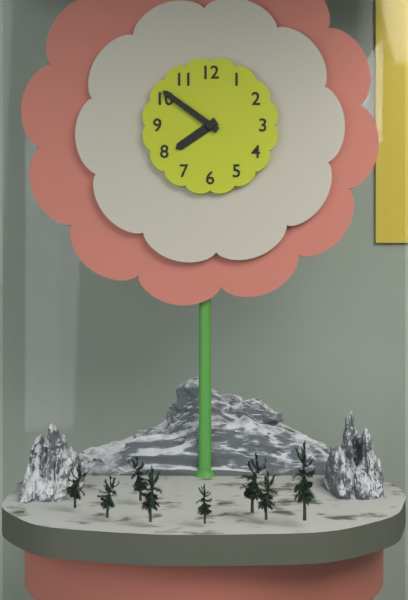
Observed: {"hour": 7, "minute": 51}
